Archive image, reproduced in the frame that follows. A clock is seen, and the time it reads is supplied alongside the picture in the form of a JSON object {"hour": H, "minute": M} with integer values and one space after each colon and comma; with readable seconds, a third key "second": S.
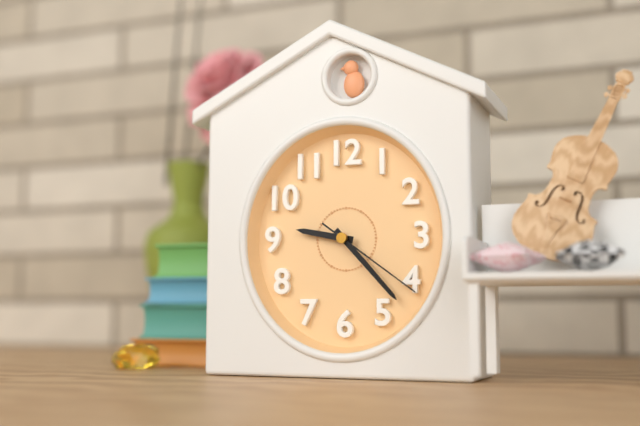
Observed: {"hour": 9, "minute": 23, "second": 21}
